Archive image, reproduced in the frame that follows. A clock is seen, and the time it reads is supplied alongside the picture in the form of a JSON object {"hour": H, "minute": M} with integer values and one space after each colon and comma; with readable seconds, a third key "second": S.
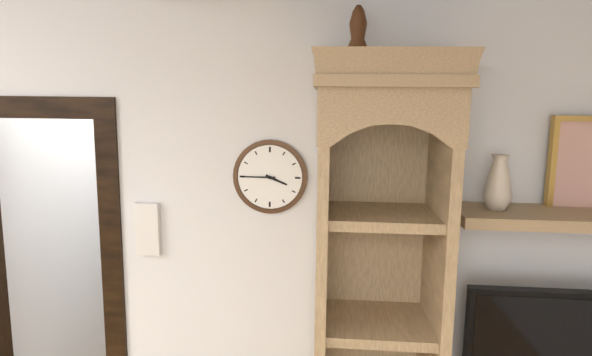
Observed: {"hour": 3, "minute": 45}
